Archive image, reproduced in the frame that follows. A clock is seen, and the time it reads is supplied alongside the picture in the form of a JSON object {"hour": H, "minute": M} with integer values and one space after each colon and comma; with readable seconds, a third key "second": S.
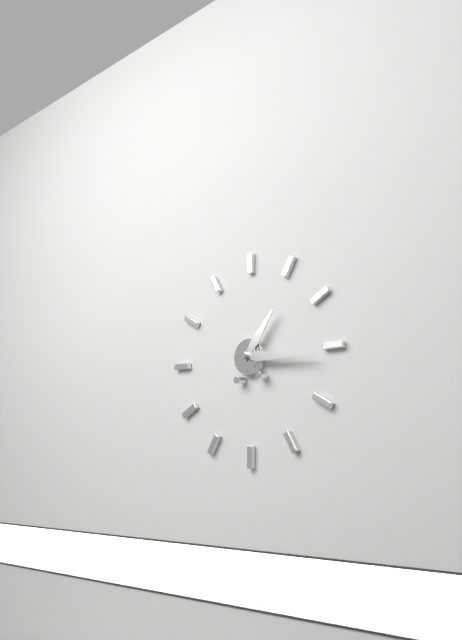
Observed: {"hour": 1, "minute": 16}
